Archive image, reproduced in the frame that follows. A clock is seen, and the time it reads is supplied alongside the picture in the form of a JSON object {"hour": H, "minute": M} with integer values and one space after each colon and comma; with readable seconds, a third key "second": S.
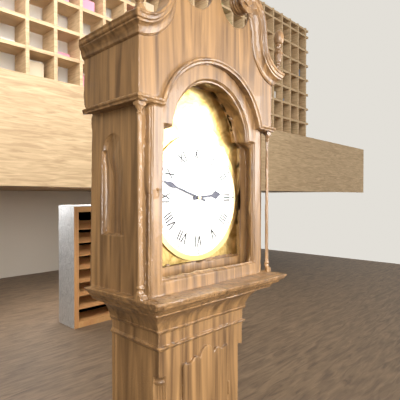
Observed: {"hour": 2, "minute": 48}
